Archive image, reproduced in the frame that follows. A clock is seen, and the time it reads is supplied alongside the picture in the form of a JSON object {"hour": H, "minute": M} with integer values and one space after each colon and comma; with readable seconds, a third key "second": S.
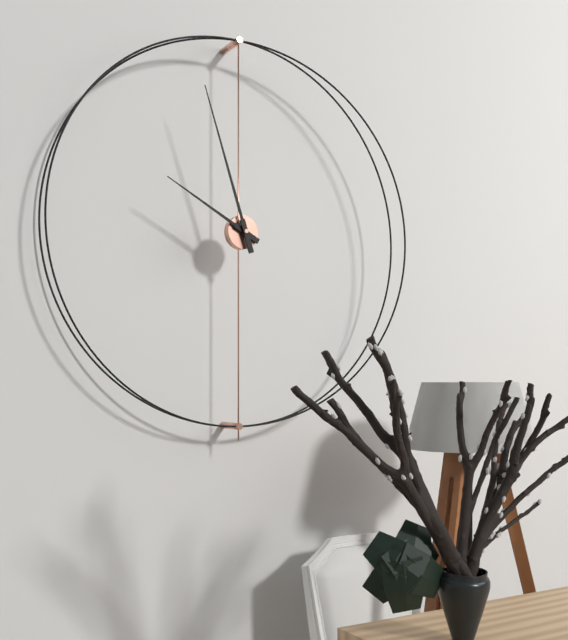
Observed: {"hour": 9, "minute": 57}
